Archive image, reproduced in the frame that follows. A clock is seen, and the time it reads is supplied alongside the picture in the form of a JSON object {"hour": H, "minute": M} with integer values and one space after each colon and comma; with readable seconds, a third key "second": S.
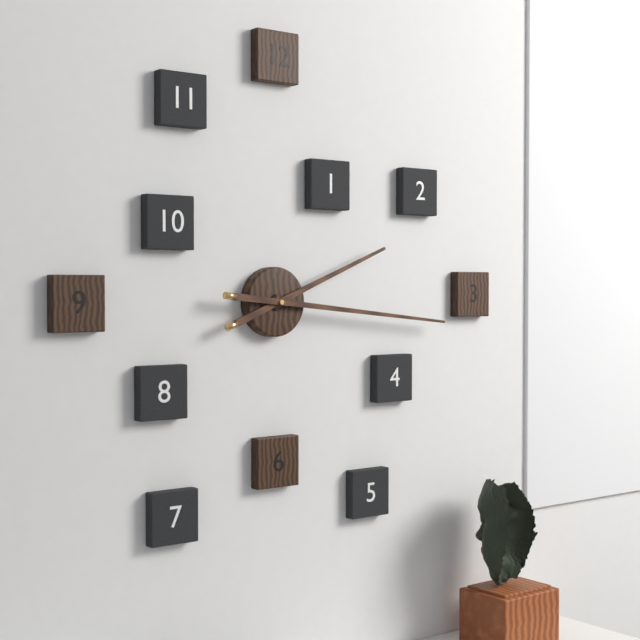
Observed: {"hour": 2, "minute": 16}
